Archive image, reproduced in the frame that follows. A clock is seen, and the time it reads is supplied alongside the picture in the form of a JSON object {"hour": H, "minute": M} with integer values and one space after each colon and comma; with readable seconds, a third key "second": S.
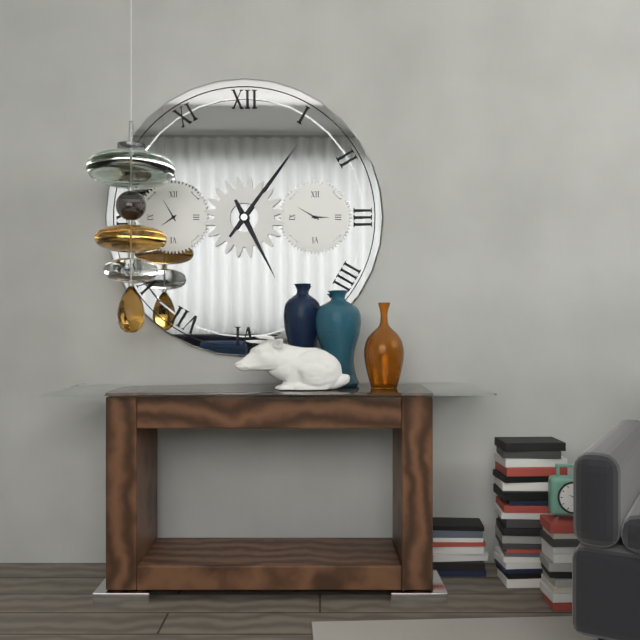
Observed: {"hour": 5, "minute": 6}
